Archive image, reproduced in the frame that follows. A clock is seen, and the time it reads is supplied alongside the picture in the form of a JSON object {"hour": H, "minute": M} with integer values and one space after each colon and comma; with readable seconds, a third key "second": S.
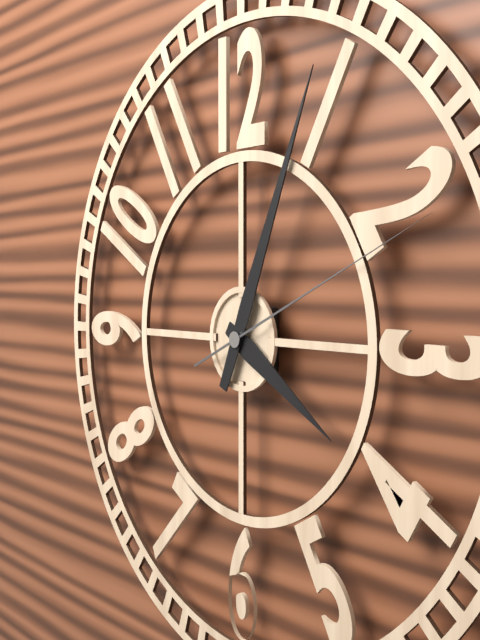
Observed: {"hour": 4, "minute": 4, "second": 11}
